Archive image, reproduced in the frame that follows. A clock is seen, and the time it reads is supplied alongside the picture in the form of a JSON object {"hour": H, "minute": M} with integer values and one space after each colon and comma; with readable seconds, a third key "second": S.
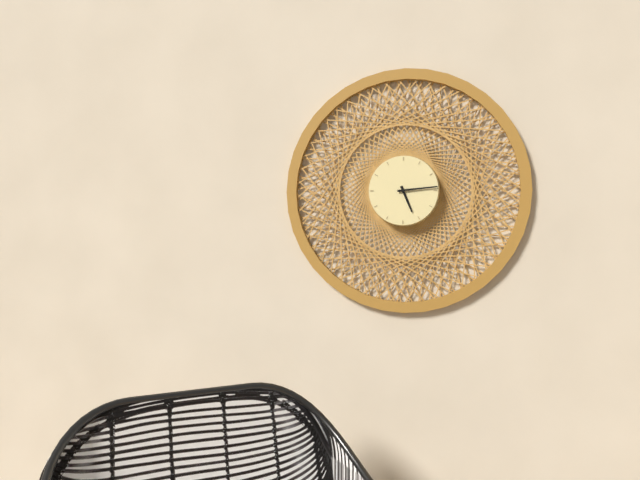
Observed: {"hour": 5, "minute": 14}
